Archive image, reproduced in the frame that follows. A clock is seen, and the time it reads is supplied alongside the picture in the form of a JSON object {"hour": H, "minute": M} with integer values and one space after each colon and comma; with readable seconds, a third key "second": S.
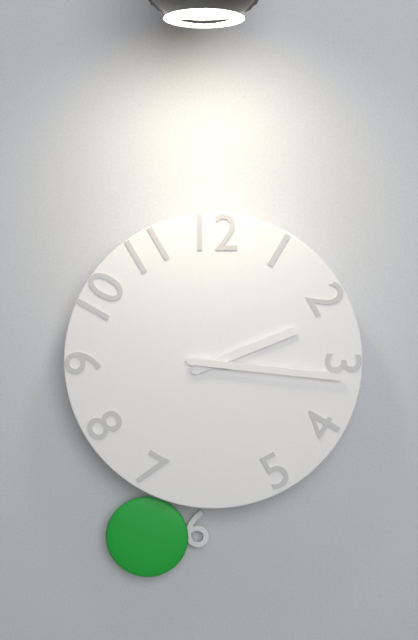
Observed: {"hour": 2, "minute": 16}
